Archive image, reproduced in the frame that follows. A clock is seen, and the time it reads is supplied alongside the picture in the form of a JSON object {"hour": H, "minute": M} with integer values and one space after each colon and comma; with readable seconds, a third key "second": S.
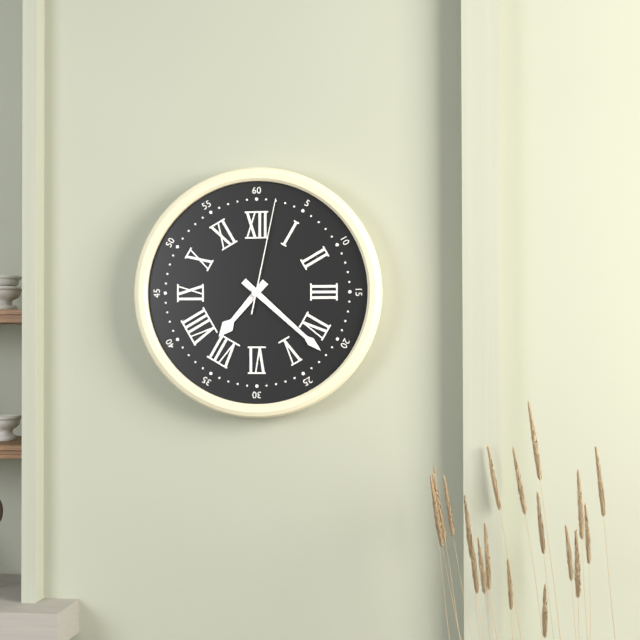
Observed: {"hour": 7, "minute": 22, "second": 2}
